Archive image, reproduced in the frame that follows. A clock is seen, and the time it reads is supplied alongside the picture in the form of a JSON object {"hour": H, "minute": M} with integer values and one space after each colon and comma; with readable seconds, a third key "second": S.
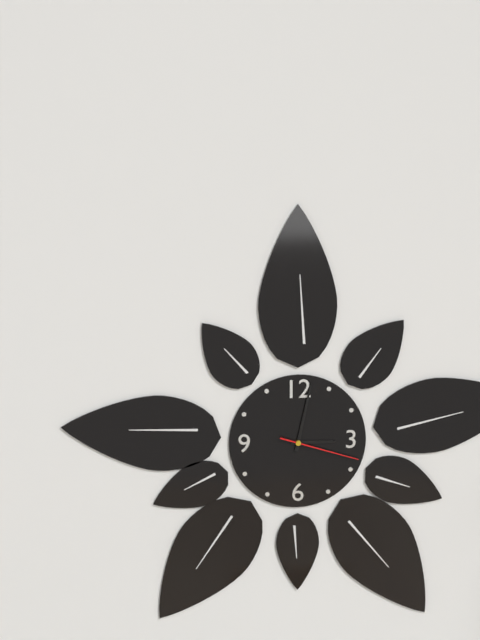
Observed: {"hour": 3, "minute": 2, "second": 18}
